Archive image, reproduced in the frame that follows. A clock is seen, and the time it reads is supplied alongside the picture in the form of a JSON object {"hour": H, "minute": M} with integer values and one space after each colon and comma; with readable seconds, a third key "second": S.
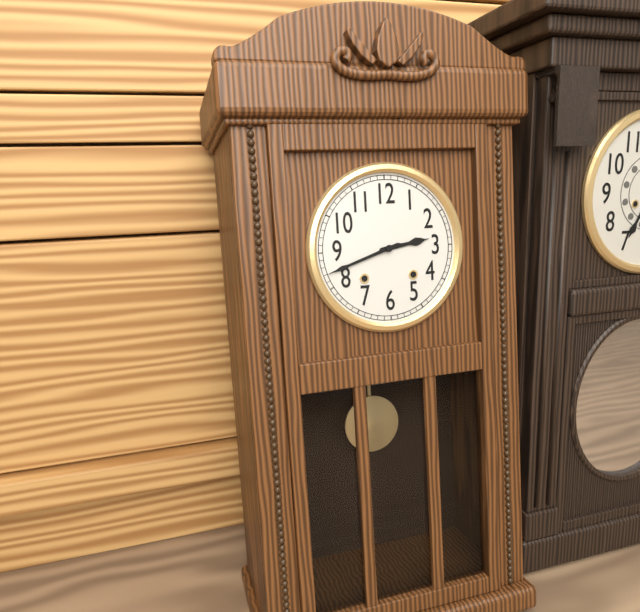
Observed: {"hour": 2, "minute": 42}
